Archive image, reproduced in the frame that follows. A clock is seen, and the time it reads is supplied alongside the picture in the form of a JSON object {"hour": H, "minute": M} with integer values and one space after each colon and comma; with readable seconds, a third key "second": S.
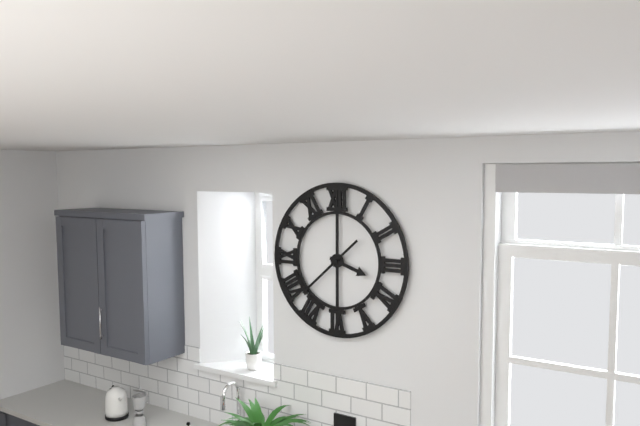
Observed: {"hour": 3, "minute": 38}
